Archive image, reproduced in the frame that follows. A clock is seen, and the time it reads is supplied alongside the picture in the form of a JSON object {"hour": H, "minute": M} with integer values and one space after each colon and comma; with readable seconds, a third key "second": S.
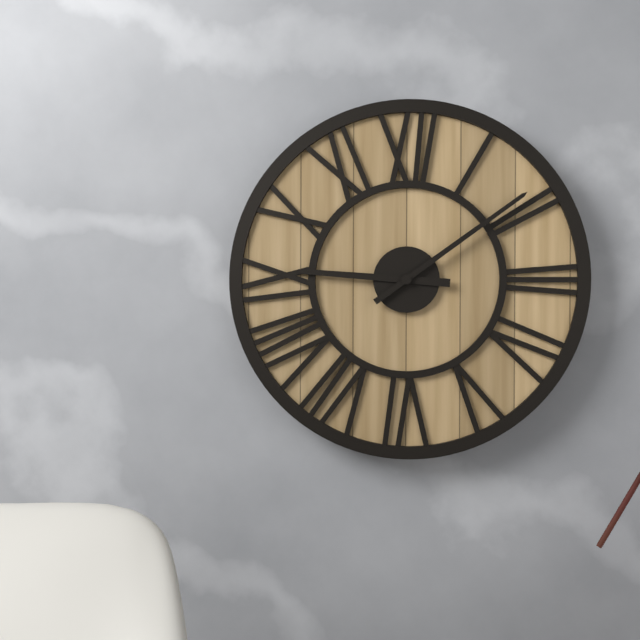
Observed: {"hour": 9, "minute": 9}
